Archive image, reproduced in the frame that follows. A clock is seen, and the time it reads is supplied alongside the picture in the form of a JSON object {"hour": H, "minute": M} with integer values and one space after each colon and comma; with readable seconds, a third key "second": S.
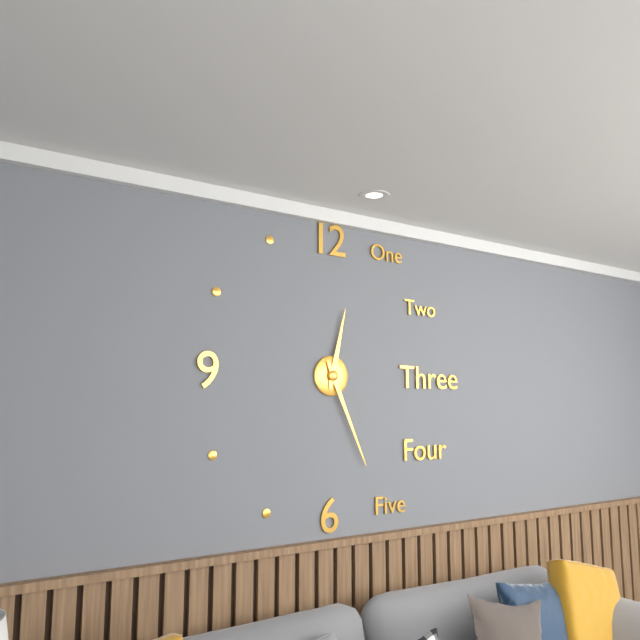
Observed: {"hour": 12, "minute": 26}
